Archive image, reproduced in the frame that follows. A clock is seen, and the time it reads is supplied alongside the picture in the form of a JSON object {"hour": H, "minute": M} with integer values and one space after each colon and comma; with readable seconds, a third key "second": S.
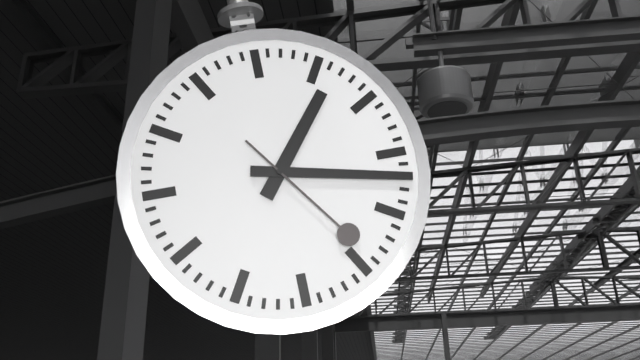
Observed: {"hour": 1, "minute": 17, "second": 24}
